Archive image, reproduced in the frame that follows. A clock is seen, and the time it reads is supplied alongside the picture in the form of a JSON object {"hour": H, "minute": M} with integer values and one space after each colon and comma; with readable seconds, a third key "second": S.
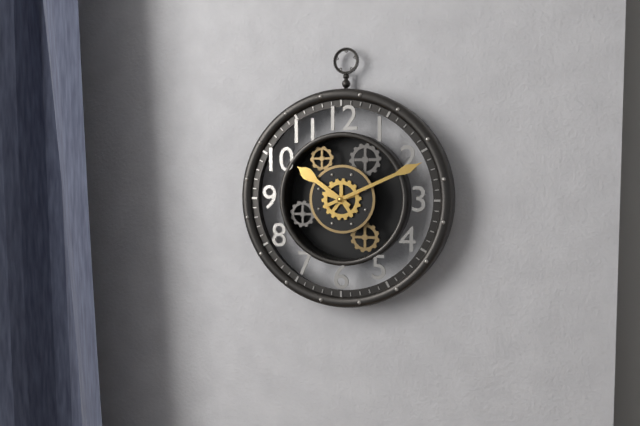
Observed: {"hour": 10, "minute": 11}
